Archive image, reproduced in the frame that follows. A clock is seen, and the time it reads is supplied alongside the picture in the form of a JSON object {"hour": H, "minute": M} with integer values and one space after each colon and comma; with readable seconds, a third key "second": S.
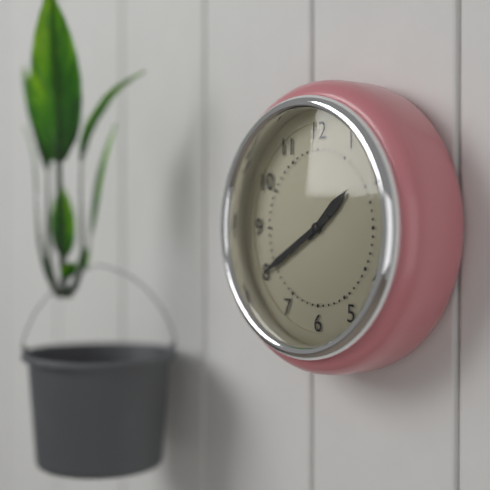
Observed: {"hour": 1, "minute": 40}
